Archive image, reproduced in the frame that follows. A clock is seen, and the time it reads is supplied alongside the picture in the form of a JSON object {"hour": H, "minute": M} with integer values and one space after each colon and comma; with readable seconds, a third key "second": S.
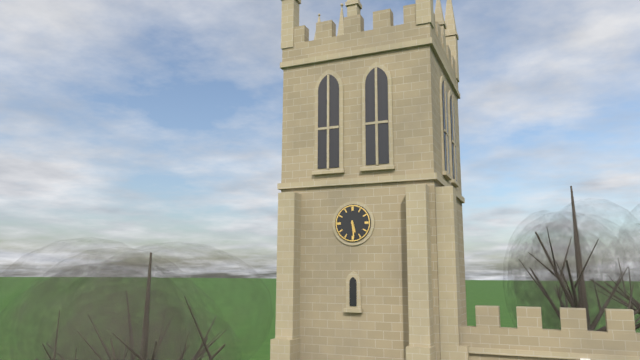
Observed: {"hour": 5, "minute": 29}
